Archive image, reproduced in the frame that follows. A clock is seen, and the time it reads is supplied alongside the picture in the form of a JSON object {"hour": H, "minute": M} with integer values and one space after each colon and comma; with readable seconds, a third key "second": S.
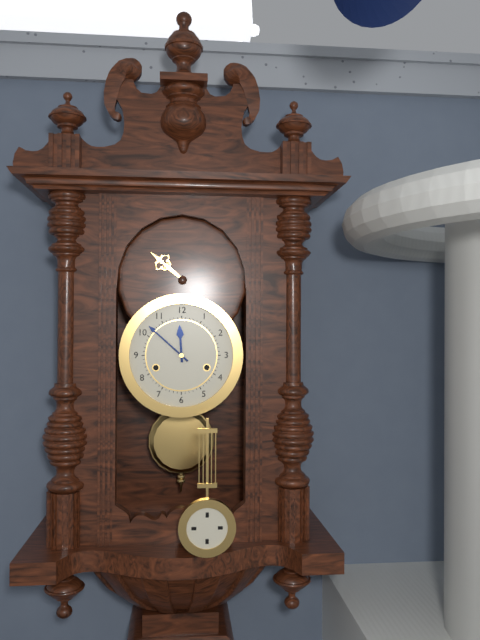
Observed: {"hour": 11, "minute": 52}
